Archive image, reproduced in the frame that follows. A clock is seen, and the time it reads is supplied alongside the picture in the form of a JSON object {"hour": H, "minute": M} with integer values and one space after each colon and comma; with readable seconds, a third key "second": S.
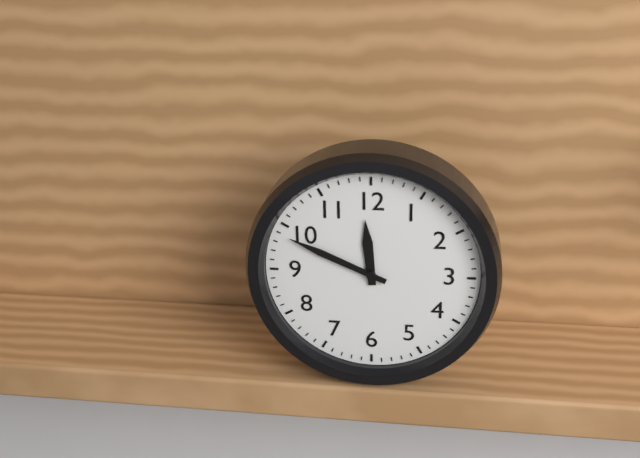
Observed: {"hour": 11, "minute": 49}
